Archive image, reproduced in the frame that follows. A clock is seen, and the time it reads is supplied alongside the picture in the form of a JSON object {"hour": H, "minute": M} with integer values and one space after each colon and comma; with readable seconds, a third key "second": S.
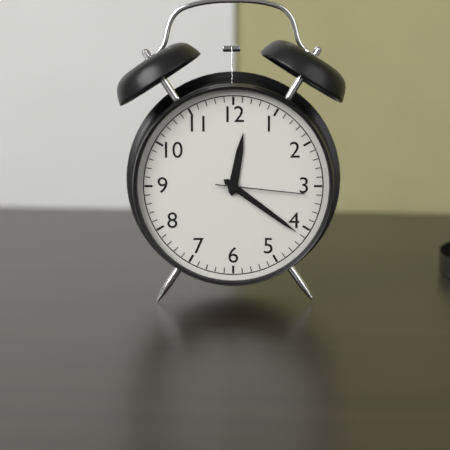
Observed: {"hour": 12, "minute": 21, "second": 16}
